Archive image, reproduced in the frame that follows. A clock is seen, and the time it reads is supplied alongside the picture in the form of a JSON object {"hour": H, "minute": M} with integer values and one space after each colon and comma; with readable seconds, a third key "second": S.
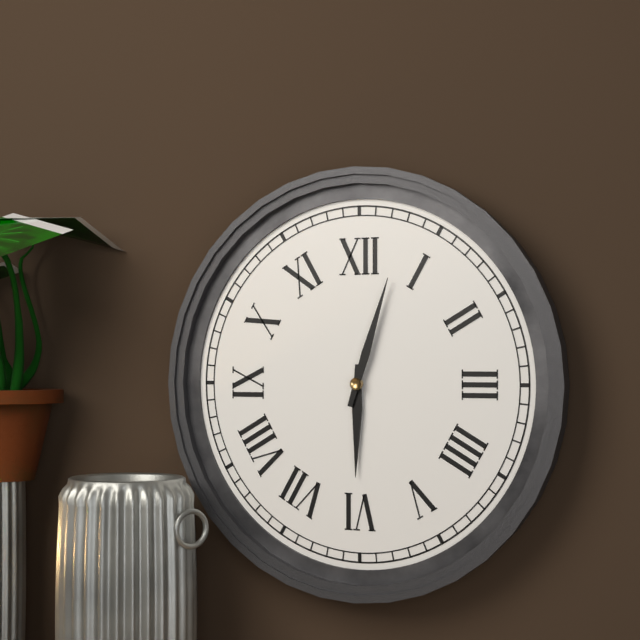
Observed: {"hour": 6, "minute": 3}
